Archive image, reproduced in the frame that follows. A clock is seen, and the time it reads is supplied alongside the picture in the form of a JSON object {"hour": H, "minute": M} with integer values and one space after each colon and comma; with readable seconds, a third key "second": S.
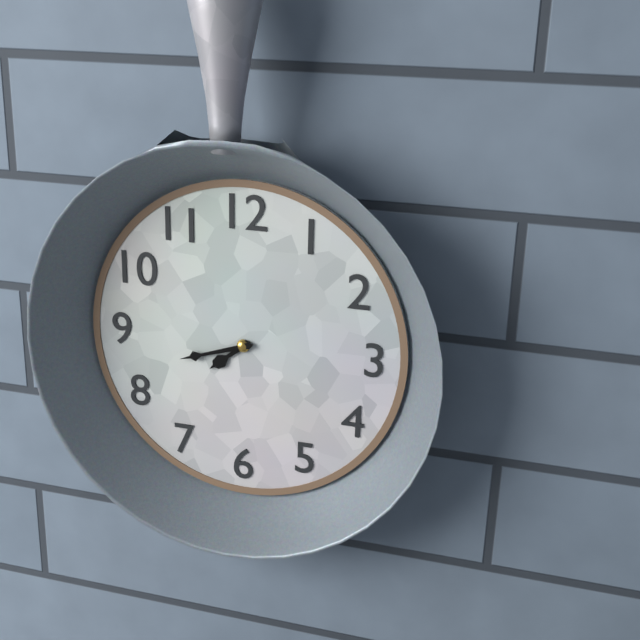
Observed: {"hour": 7, "minute": 42}
